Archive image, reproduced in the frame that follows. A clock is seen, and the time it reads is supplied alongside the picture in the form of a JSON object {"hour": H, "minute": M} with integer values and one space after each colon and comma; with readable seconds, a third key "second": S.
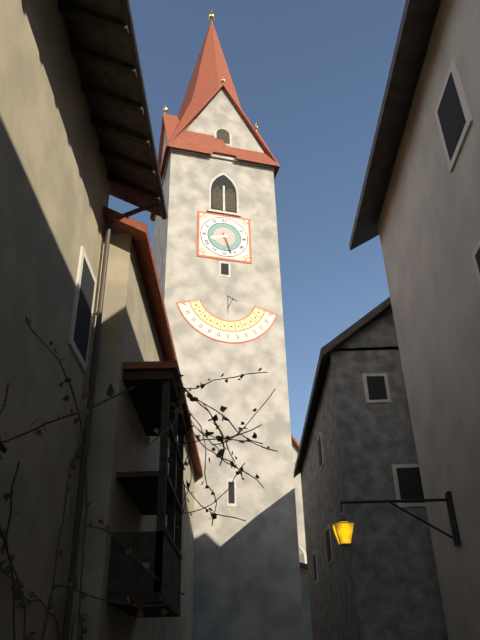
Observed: {"hour": 8, "minute": 27}
